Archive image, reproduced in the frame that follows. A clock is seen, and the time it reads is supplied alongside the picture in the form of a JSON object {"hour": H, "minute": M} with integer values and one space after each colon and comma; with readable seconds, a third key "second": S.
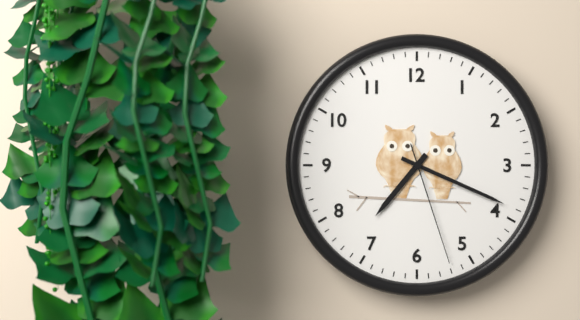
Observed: {"hour": 7, "minute": 19, "second": 27}
